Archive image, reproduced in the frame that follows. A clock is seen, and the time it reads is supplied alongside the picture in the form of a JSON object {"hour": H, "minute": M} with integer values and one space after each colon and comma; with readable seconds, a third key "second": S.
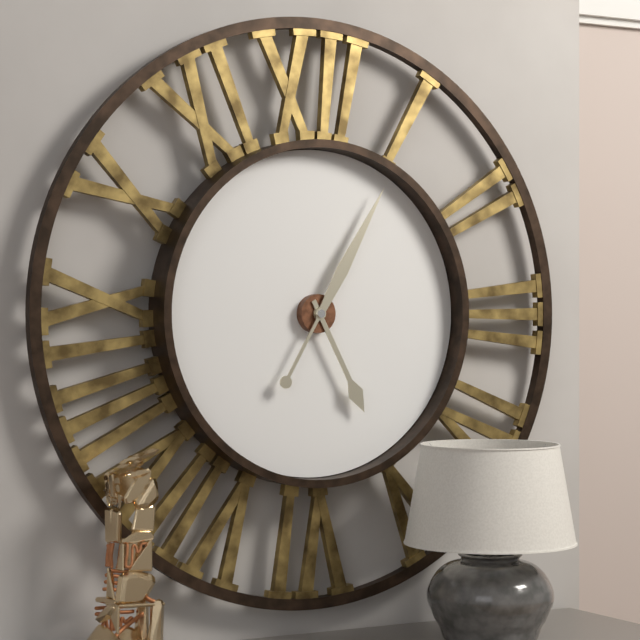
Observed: {"hour": 5, "minute": 5}
